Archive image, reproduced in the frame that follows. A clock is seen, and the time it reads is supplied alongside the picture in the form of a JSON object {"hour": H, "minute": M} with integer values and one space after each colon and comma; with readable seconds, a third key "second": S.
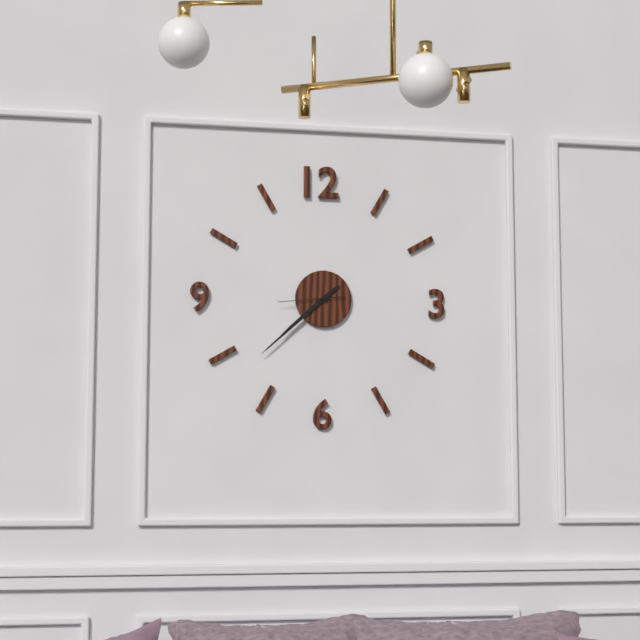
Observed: {"hour": 7, "minute": 38, "second": 44}
